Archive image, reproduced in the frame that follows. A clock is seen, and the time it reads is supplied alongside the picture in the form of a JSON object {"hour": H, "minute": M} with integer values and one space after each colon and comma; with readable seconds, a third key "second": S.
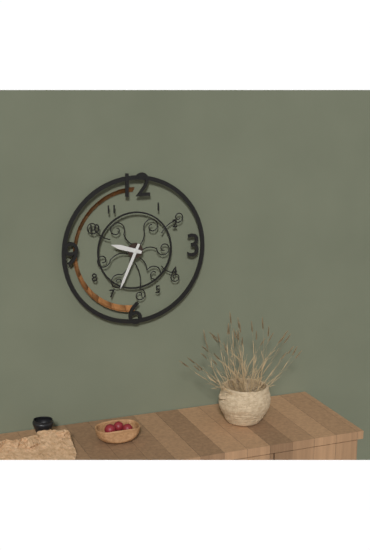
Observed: {"hour": 9, "minute": 34}
